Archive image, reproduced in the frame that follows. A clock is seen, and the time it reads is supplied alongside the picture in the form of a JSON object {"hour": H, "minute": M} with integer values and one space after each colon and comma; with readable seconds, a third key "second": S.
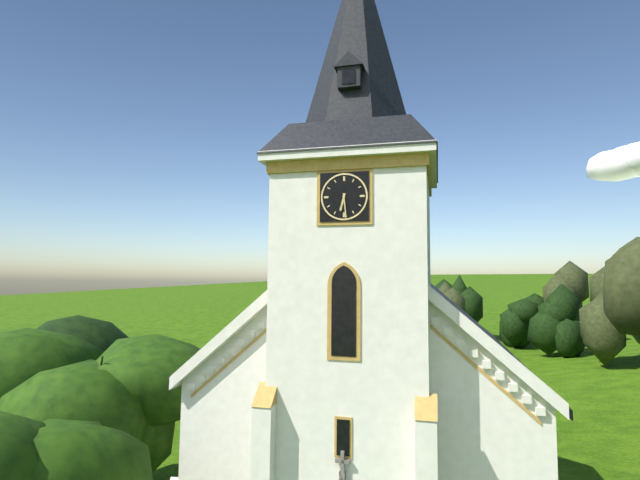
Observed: {"hour": 6, "minute": 29}
